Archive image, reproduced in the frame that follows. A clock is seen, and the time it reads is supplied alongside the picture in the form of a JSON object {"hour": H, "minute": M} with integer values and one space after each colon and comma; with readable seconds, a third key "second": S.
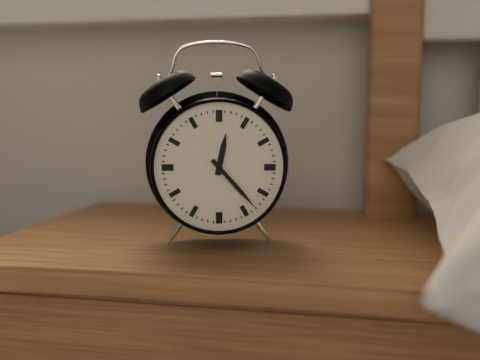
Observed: {"hour": 12, "minute": 23}
